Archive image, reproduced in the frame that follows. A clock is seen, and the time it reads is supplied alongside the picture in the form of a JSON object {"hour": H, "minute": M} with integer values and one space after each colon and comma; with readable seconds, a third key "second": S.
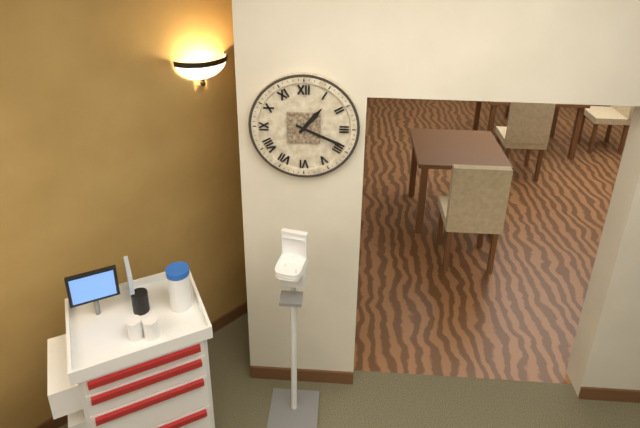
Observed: {"hour": 1, "minute": 19}
